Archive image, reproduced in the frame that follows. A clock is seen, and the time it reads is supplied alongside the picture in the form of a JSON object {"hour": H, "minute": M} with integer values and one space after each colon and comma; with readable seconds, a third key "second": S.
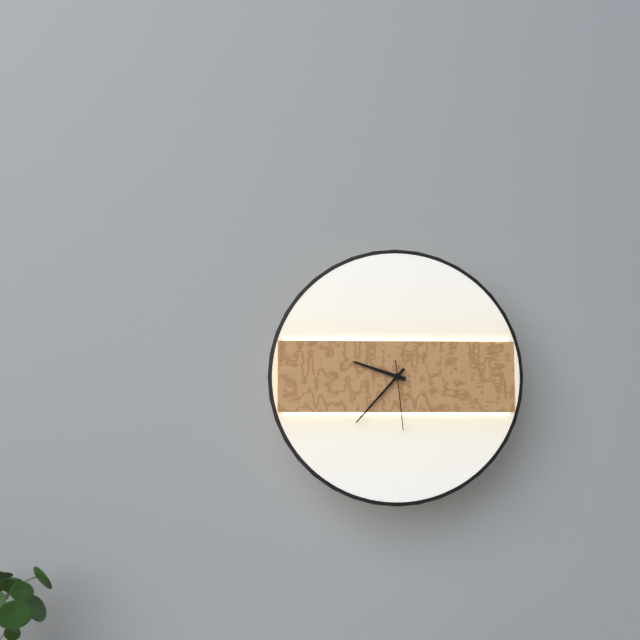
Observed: {"hour": 9, "minute": 37, "second": 29}
